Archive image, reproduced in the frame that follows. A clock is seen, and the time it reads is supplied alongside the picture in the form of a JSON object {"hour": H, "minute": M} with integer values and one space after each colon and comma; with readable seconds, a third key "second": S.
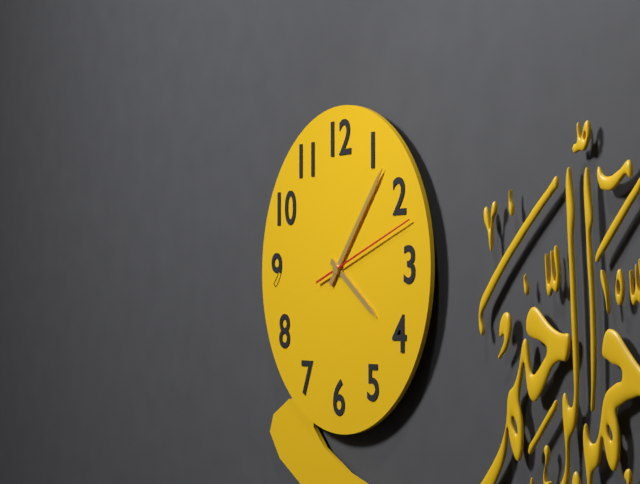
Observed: {"hour": 4, "minute": 7, "second": 12}
